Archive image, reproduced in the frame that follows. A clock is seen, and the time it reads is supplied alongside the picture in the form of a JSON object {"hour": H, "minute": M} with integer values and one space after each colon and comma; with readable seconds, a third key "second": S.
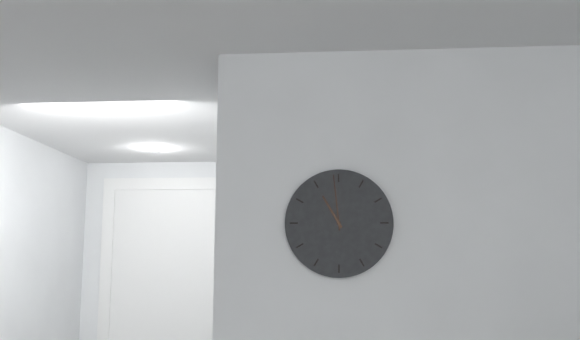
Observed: {"hour": 10, "minute": 59}
